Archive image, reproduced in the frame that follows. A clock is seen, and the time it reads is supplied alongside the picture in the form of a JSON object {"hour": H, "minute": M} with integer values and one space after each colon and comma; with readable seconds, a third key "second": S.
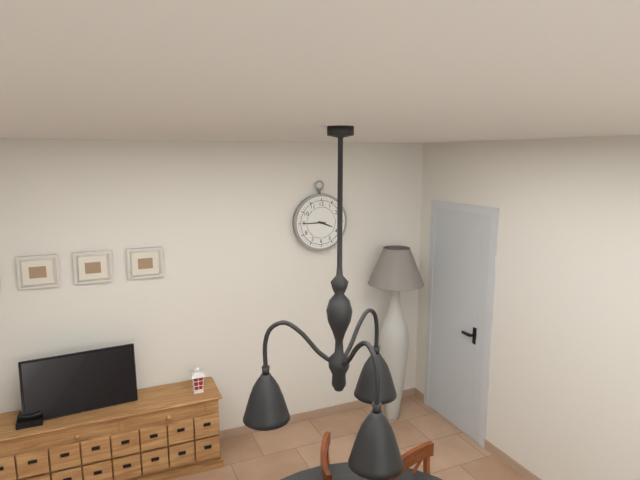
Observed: {"hour": 3, "minute": 45}
